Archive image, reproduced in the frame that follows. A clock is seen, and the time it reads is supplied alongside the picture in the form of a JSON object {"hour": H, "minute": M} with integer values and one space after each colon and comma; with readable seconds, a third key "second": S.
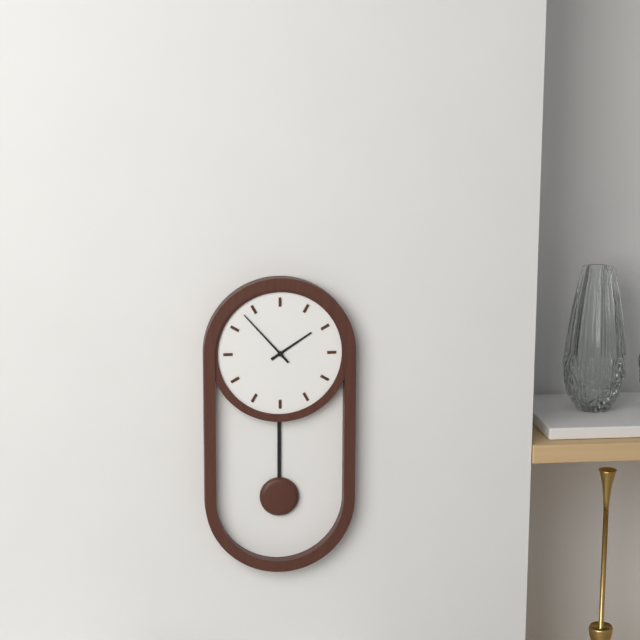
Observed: {"hour": 1, "minute": 53}
